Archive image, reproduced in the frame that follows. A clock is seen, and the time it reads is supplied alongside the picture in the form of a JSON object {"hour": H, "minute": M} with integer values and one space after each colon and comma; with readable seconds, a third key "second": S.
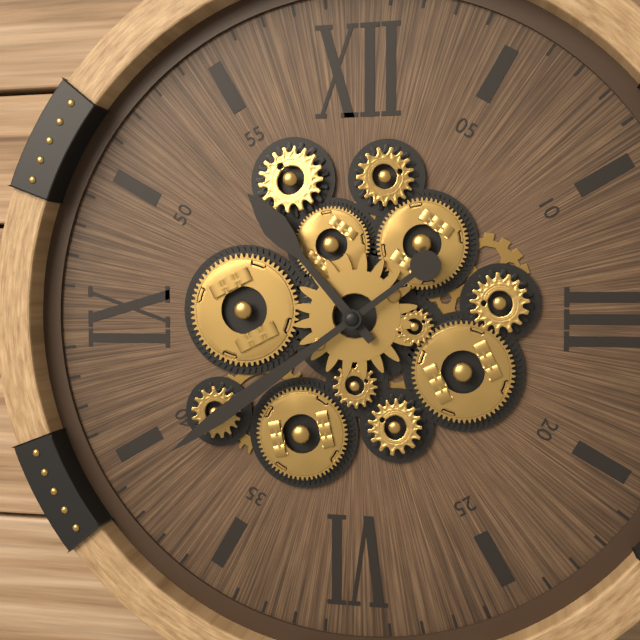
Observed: {"hour": 10, "minute": 39}
